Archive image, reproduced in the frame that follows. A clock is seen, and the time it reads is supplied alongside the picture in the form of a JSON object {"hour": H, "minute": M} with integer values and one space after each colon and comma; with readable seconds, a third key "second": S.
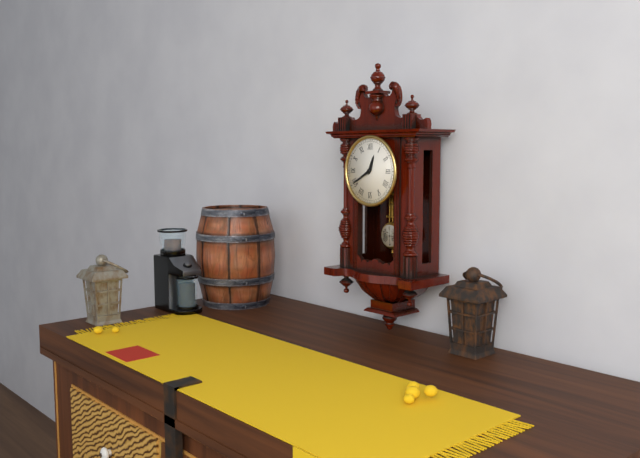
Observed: {"hour": 12, "minute": 40}
